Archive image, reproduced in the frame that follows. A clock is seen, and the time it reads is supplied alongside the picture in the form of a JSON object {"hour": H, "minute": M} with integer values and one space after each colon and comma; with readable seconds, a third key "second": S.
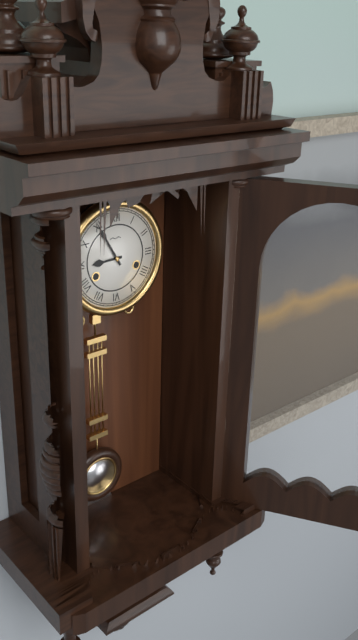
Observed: {"hour": 8, "minute": 55}
